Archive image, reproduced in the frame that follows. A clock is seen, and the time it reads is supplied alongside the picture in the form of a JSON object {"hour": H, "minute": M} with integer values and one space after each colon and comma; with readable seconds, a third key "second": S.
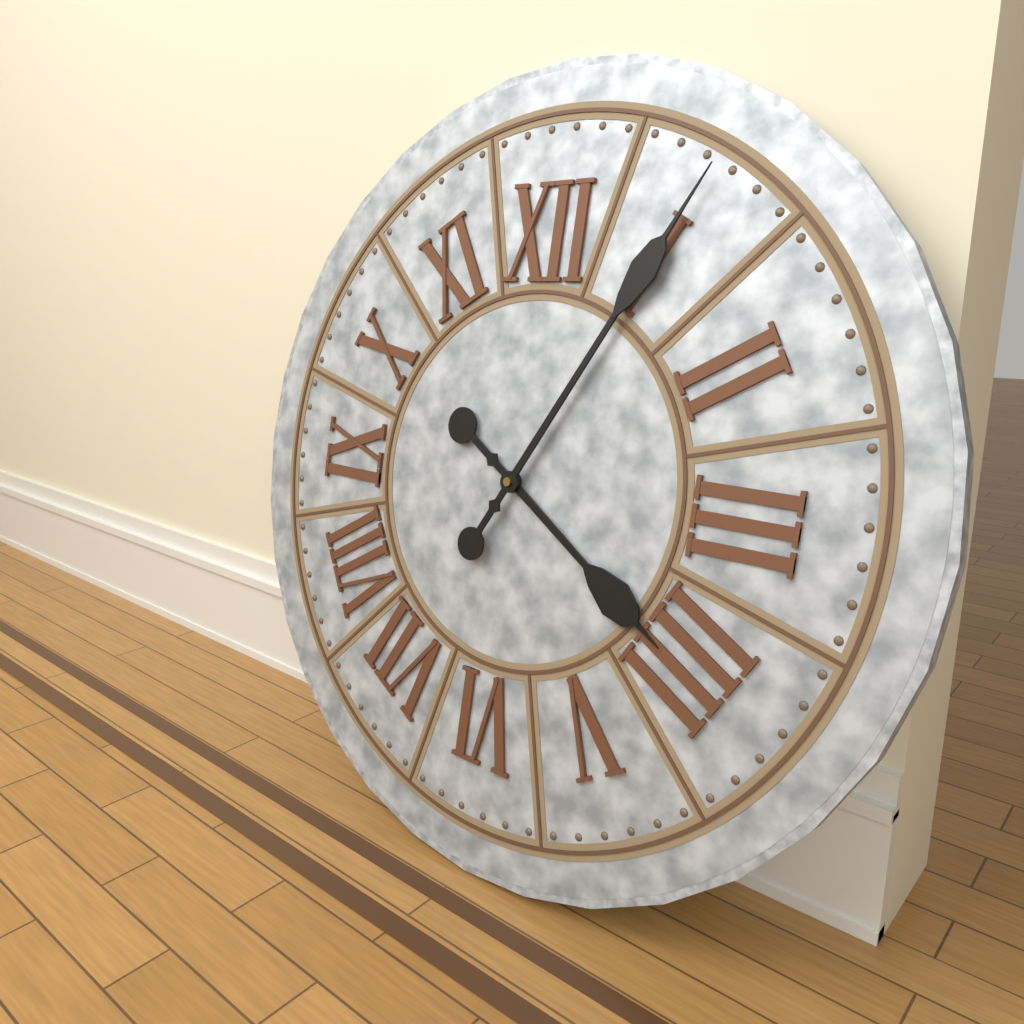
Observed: {"hour": 4, "minute": 5}
